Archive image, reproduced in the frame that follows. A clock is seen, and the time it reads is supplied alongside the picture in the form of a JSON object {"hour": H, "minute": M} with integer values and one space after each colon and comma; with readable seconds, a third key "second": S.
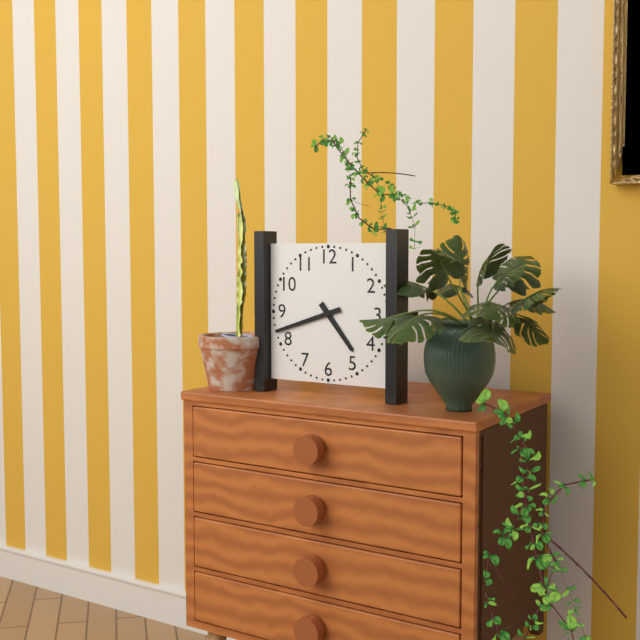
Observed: {"hour": 4, "minute": 42}
